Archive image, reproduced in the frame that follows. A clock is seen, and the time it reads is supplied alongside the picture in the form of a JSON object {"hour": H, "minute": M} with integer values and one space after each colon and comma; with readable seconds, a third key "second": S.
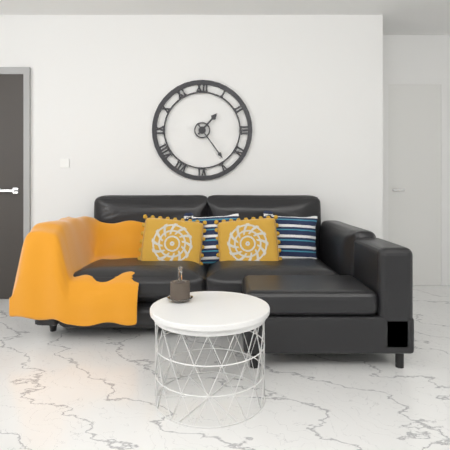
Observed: {"hour": 1, "minute": 24}
